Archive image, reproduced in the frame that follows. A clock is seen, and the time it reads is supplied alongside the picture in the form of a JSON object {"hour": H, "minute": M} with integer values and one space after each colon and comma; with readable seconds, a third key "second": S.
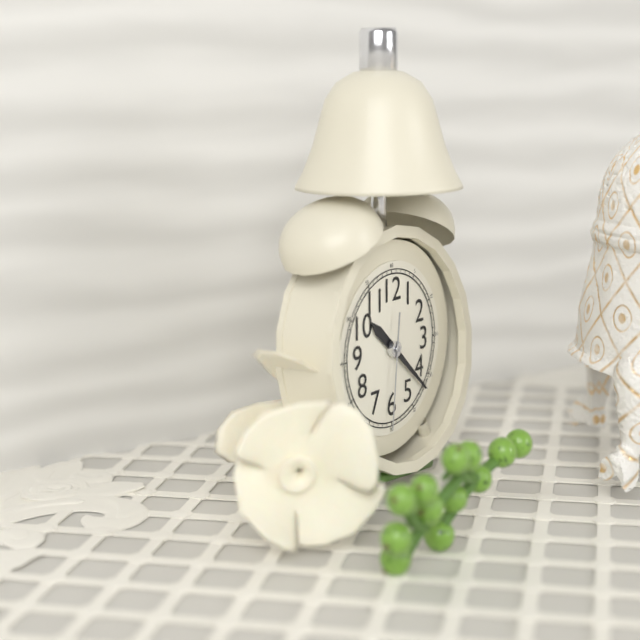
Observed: {"hour": 10, "minute": 22, "second": 31}
